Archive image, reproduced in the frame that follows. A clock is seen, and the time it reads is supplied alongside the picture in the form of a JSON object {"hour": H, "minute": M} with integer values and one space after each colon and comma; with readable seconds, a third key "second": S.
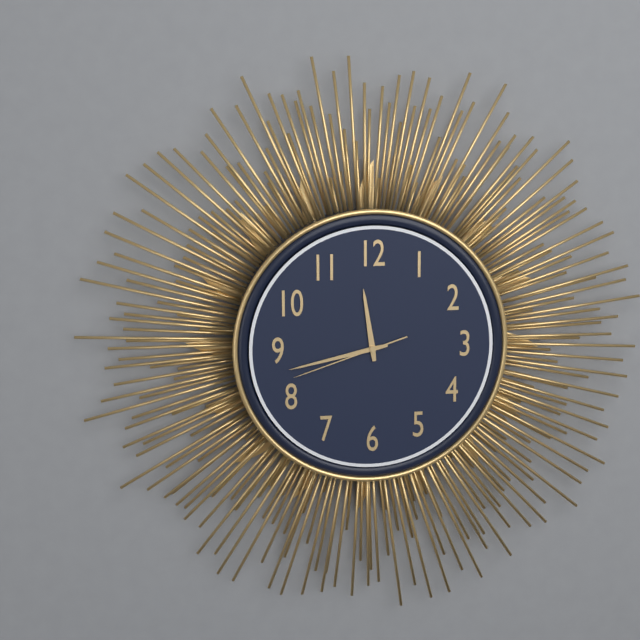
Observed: {"hour": 11, "minute": 43, "second": 42}
